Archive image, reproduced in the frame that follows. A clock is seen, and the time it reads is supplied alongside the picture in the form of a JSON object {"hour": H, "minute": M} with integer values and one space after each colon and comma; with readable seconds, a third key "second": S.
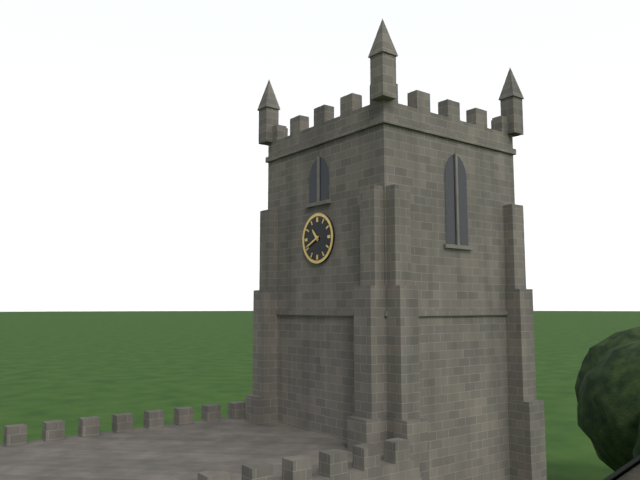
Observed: {"hour": 10, "minute": 41}
